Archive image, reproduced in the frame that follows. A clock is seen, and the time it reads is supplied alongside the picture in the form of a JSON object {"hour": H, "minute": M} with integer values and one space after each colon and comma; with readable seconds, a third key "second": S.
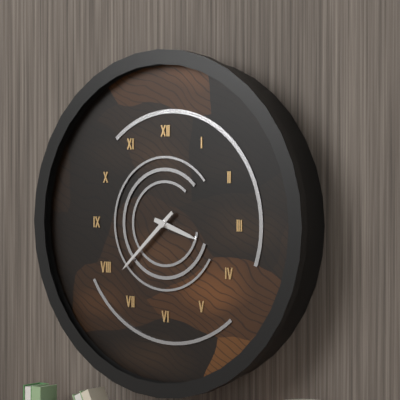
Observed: {"hour": 3, "minute": 38}
